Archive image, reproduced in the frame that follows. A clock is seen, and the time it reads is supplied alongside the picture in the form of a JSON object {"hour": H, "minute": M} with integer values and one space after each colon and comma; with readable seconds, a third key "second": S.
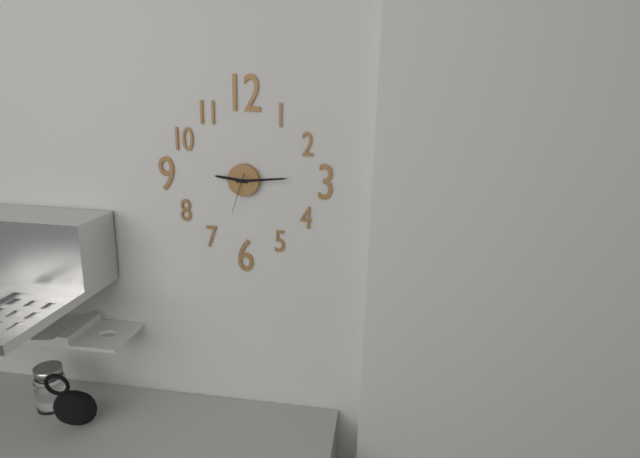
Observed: {"hour": 9, "minute": 14}
